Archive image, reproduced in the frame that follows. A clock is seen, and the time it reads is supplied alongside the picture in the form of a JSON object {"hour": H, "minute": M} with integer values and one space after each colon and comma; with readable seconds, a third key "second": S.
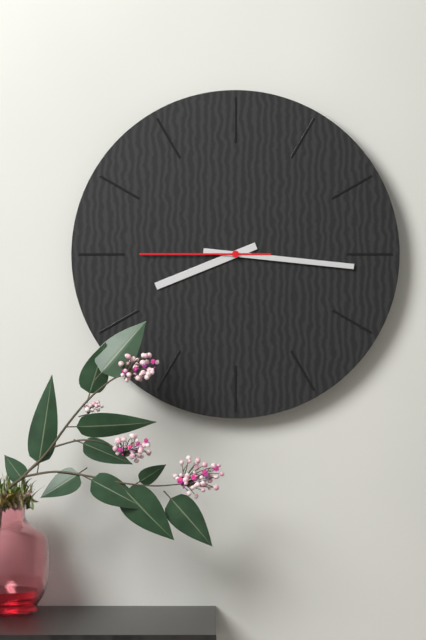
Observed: {"hour": 8, "minute": 16, "second": 45}
